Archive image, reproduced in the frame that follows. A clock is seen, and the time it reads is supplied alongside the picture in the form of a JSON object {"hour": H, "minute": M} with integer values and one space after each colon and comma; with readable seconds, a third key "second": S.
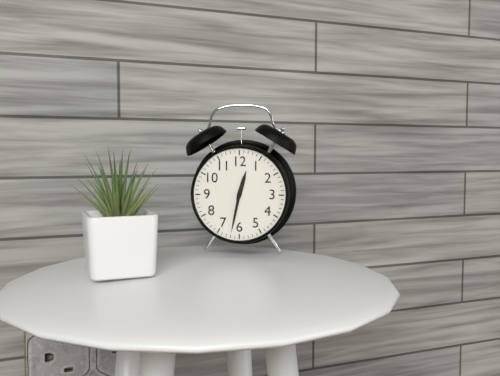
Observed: {"hour": 12, "minute": 32}
